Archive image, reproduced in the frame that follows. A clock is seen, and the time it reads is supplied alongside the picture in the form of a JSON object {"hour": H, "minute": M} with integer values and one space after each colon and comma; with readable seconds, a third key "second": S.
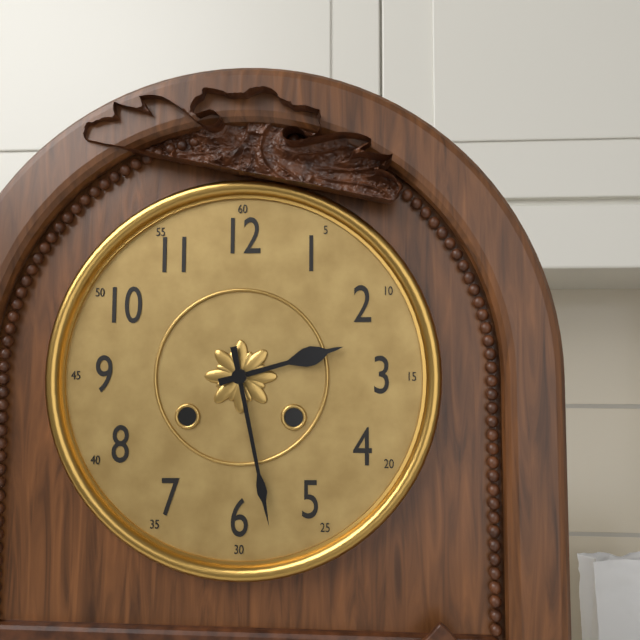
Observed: {"hour": 2, "minute": 28}
